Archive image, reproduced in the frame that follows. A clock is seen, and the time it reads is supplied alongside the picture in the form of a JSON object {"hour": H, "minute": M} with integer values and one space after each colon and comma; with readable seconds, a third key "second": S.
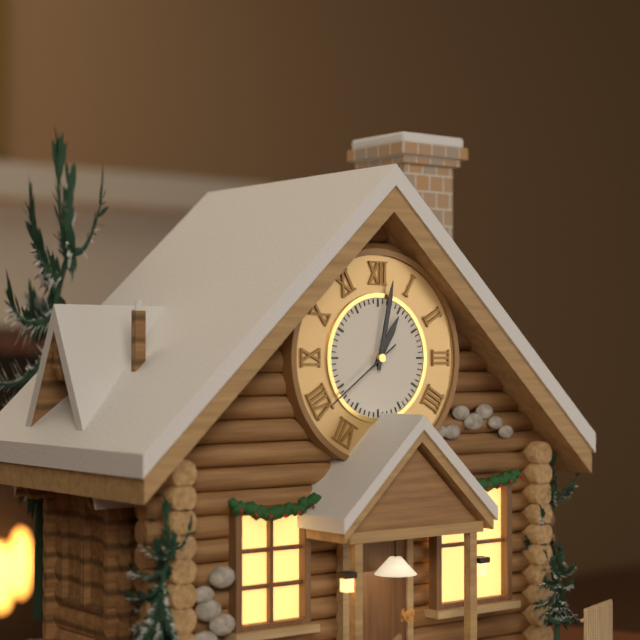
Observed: {"hour": 1, "minute": 2, "second": 39}
